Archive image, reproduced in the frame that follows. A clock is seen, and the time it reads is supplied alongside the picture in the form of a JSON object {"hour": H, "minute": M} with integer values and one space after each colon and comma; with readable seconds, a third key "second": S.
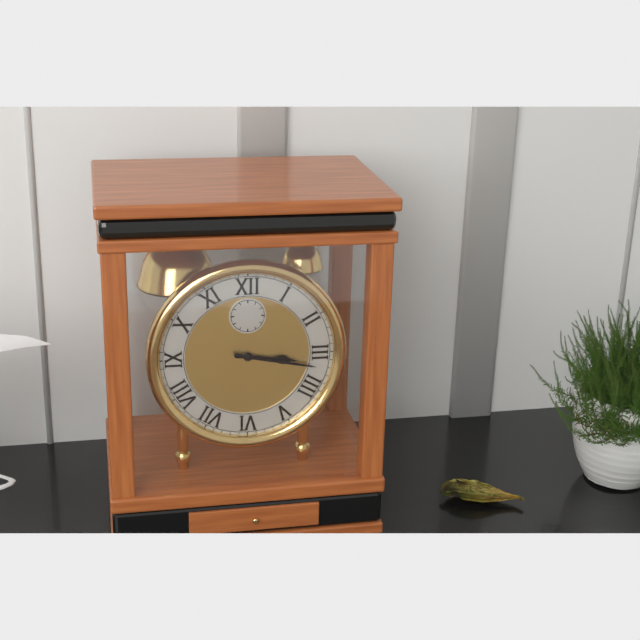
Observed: {"hour": 3, "minute": 17}
